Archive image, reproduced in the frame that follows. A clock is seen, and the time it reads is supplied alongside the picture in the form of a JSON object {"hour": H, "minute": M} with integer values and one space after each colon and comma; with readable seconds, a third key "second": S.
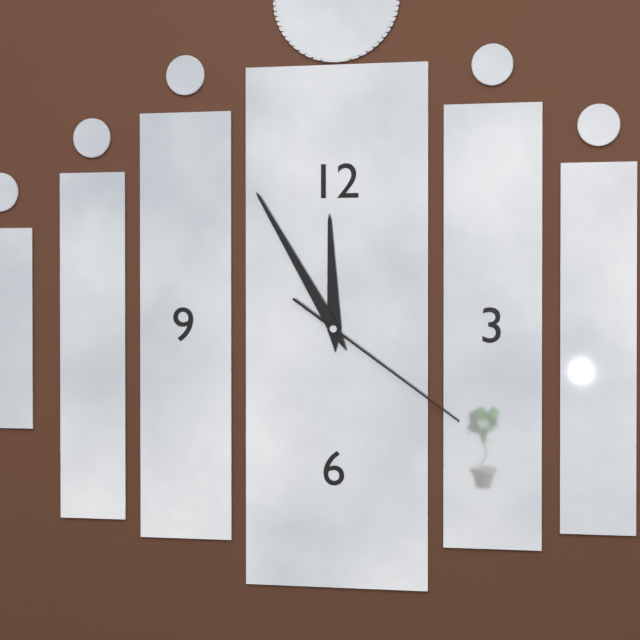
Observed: {"hour": 11, "minute": 55, "second": 21}
